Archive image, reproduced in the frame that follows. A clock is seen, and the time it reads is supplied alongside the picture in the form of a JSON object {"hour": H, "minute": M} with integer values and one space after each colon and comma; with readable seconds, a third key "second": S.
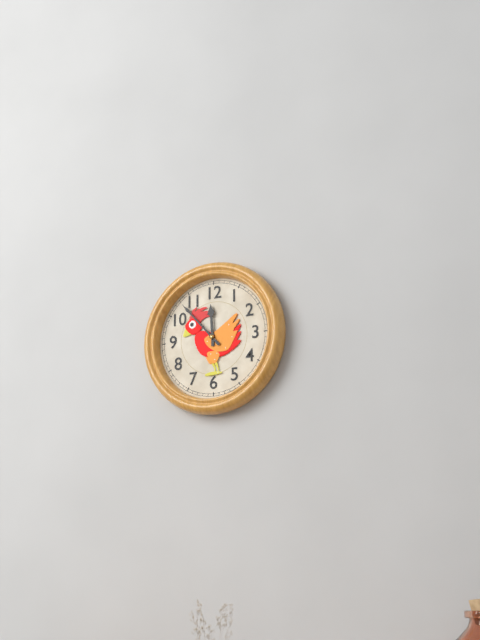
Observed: {"hour": 11, "minute": 53}
